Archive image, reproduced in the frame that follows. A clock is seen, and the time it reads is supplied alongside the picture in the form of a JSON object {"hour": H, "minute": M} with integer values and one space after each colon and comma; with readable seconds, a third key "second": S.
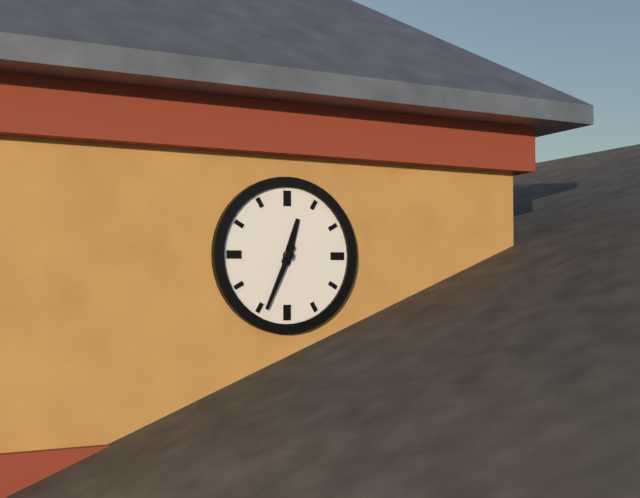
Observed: {"hour": 12, "minute": 34}
